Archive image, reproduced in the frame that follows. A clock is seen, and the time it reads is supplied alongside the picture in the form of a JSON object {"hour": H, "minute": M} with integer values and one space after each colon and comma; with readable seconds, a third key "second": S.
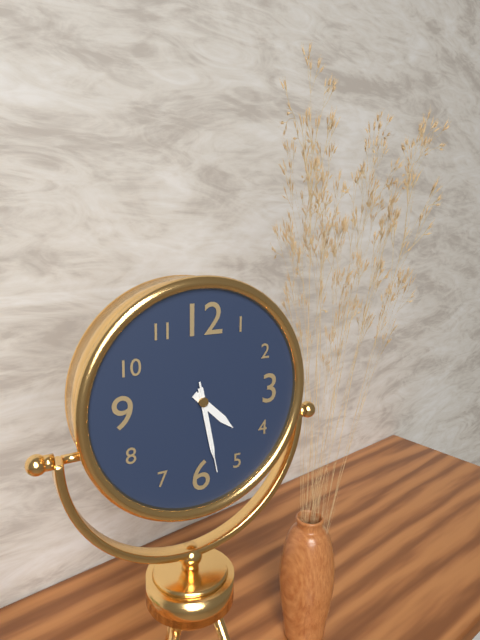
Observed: {"hour": 4, "minute": 28, "second": 28}
